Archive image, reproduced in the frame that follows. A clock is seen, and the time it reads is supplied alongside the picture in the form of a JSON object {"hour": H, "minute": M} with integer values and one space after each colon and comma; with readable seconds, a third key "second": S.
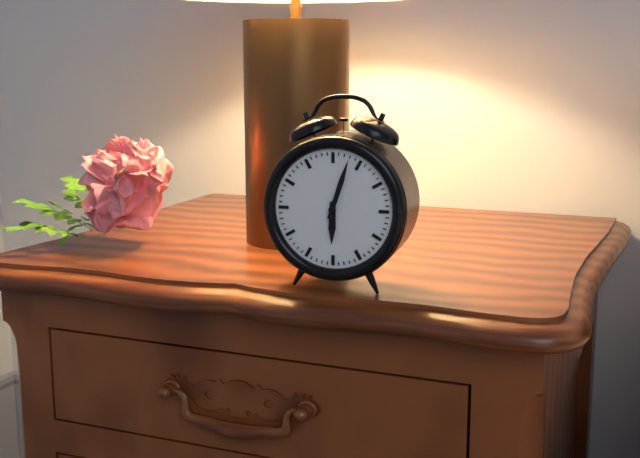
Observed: {"hour": 6, "minute": 3}
